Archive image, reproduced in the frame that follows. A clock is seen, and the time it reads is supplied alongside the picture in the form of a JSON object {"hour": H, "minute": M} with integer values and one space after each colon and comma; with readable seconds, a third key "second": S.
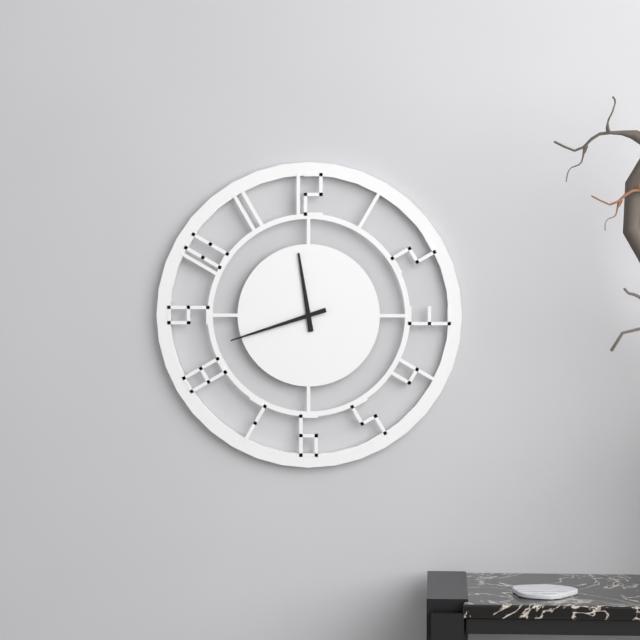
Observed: {"hour": 11, "minute": 42}
